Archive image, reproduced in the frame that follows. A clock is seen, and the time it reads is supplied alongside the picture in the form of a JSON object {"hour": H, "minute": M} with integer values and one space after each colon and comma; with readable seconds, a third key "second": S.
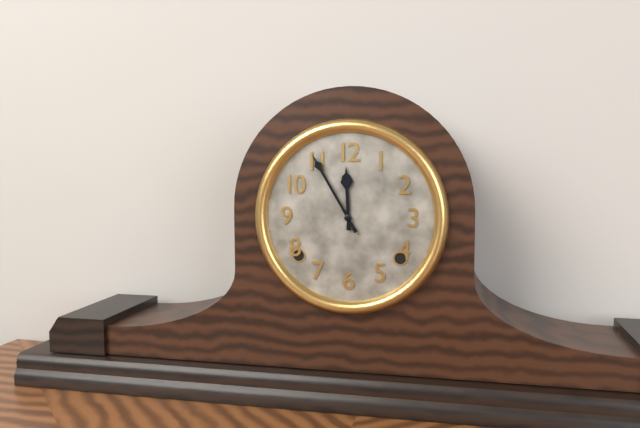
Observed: {"hour": 11, "minute": 55}
